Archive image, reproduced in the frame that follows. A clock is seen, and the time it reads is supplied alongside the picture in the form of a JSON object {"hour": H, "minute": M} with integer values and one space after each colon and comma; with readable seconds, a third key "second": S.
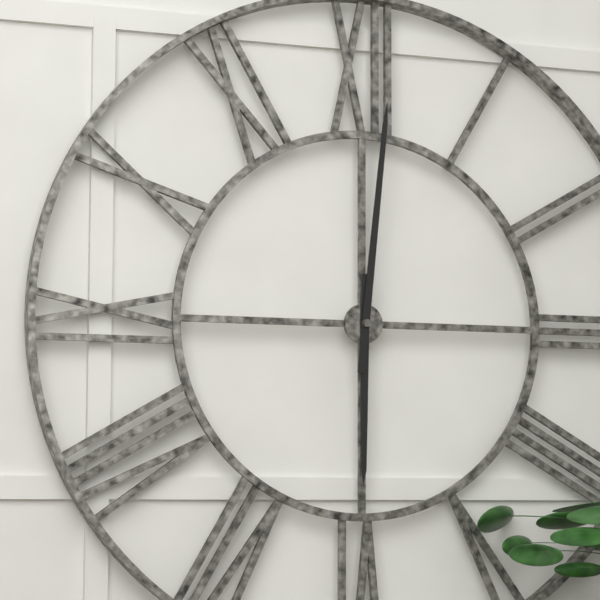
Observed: {"hour": 6, "minute": 1}
